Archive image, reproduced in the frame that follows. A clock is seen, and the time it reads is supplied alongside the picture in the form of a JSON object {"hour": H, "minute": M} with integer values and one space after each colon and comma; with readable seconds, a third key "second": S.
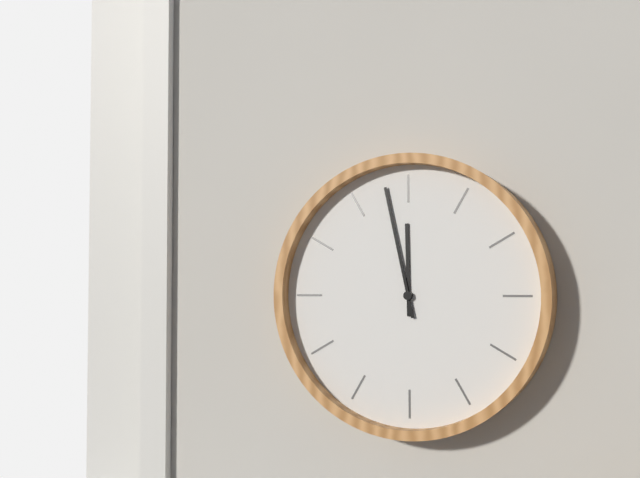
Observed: {"hour": 11, "minute": 58}
